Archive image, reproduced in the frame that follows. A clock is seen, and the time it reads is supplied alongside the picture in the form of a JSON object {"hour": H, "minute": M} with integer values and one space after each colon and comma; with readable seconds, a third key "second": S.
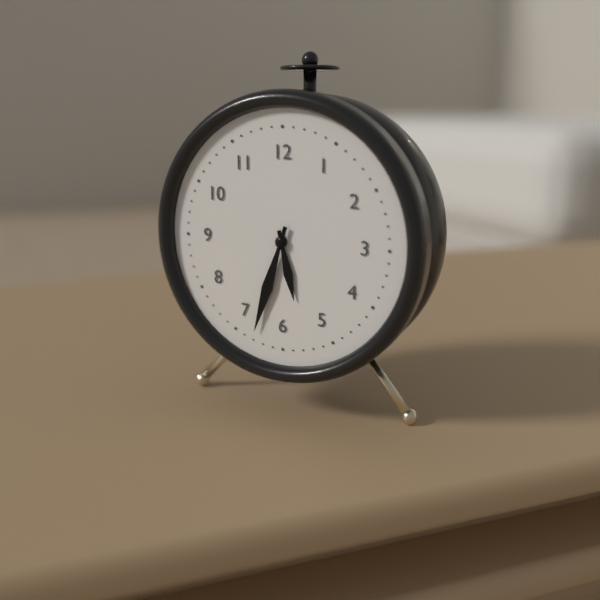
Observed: {"hour": 5, "minute": 33}
